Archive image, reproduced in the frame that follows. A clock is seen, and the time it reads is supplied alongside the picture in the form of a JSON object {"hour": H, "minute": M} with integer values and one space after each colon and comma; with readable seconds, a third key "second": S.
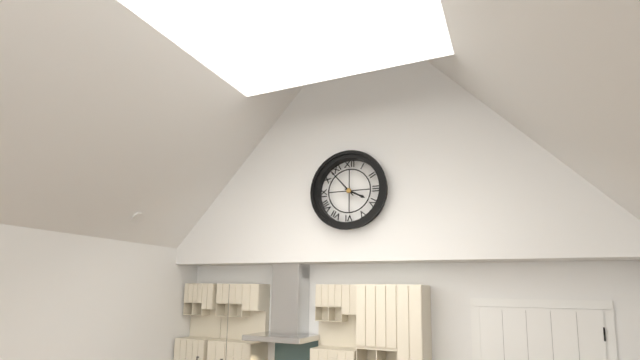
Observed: {"hour": 3, "minute": 53}
